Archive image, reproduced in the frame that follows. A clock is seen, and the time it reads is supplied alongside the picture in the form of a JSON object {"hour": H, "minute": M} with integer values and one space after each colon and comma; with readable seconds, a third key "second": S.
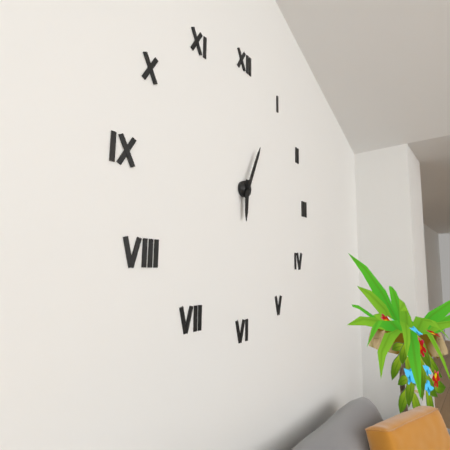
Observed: {"hour": 6, "minute": 4}
